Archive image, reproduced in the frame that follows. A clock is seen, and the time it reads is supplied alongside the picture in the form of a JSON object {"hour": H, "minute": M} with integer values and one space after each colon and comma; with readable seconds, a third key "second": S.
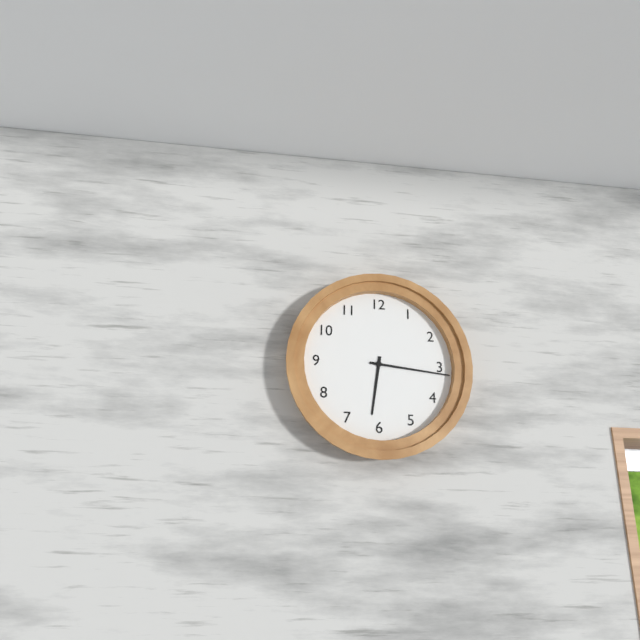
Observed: {"hour": 6, "minute": 16}
